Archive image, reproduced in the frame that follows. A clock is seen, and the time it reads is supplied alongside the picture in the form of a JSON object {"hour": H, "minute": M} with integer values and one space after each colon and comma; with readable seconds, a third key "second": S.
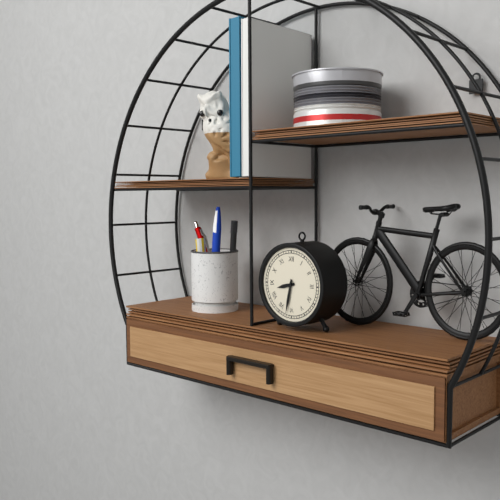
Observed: {"hour": 8, "minute": 32}
